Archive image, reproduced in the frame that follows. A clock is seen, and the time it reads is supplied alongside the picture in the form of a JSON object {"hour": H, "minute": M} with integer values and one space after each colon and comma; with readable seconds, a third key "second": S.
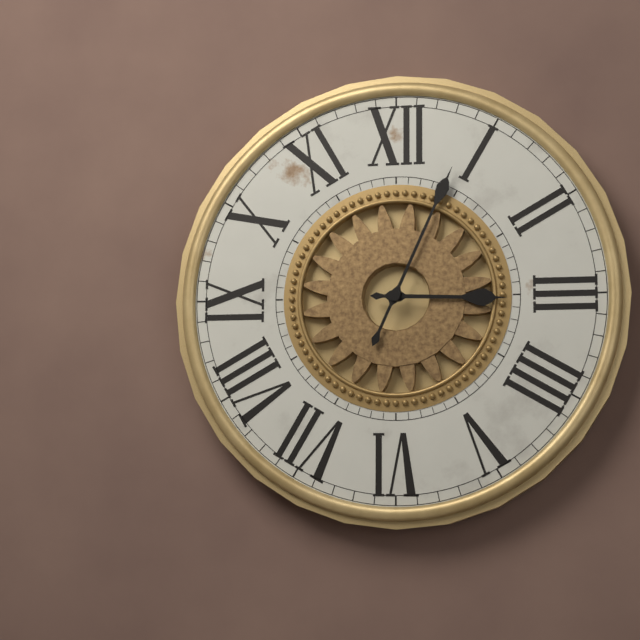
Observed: {"hour": 3, "minute": 4}
